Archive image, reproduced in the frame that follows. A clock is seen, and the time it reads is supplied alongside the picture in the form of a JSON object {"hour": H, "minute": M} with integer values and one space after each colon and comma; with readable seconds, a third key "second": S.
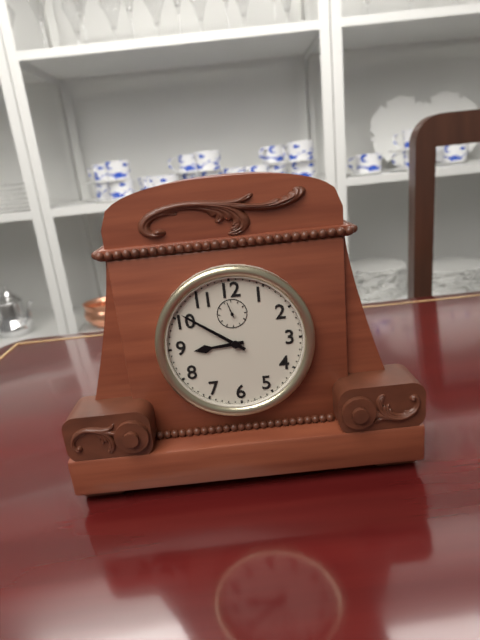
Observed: {"hour": 8, "minute": 51}
